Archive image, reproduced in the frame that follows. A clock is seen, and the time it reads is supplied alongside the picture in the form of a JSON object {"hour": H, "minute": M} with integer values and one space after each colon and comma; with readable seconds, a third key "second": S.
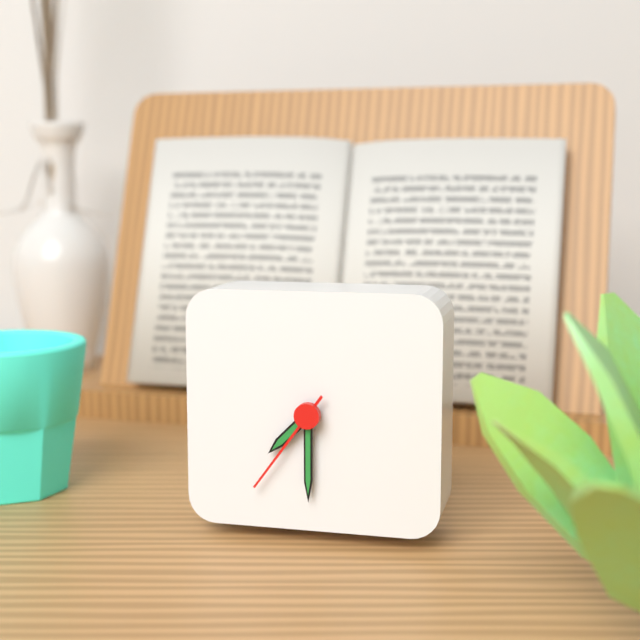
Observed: {"hour": 7, "minute": 30, "second": 36}
